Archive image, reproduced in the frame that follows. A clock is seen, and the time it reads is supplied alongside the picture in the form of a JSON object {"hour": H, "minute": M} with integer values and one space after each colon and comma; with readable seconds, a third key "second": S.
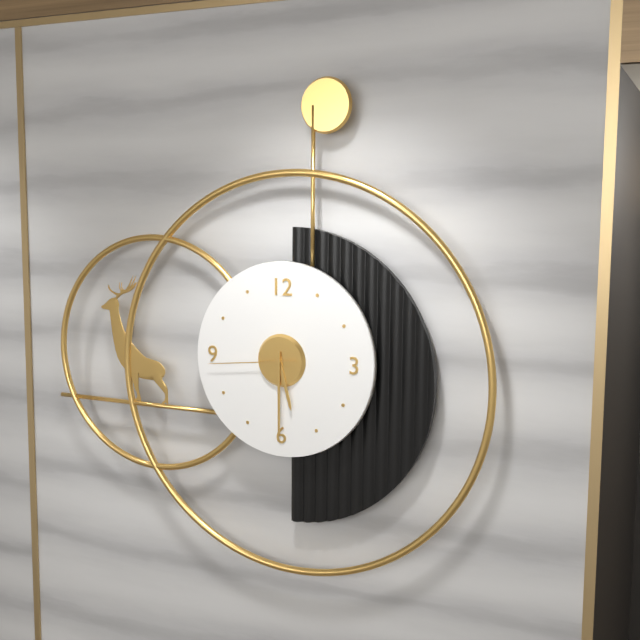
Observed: {"hour": 5, "minute": 30, "second": 44}
